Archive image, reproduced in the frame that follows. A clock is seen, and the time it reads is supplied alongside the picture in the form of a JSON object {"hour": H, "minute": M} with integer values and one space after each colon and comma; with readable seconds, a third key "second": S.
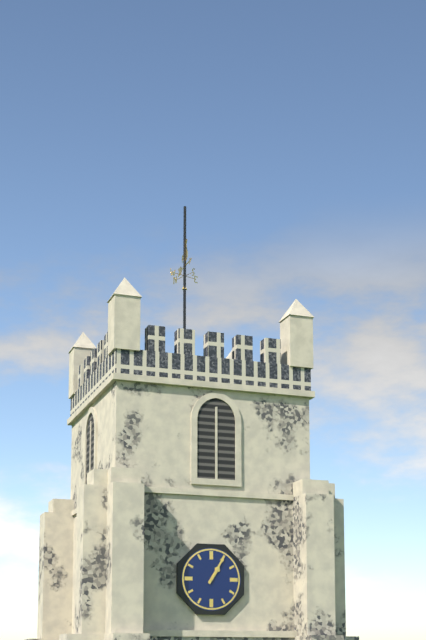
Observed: {"hour": 1, "minute": 5}
